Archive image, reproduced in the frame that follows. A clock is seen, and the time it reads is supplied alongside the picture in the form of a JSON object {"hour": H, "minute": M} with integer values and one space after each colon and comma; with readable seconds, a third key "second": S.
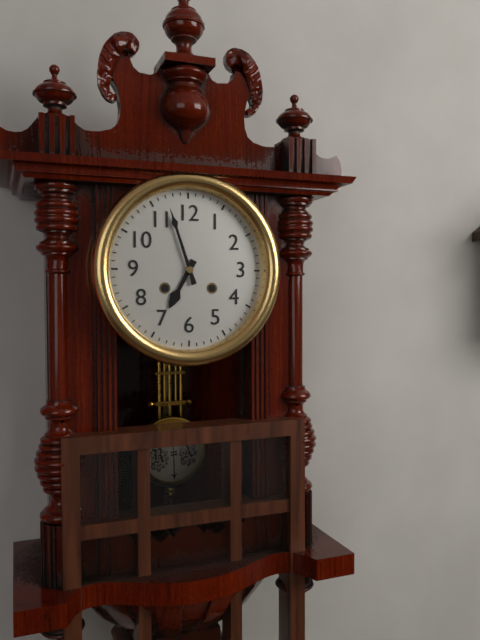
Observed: {"hour": 6, "minute": 57}
